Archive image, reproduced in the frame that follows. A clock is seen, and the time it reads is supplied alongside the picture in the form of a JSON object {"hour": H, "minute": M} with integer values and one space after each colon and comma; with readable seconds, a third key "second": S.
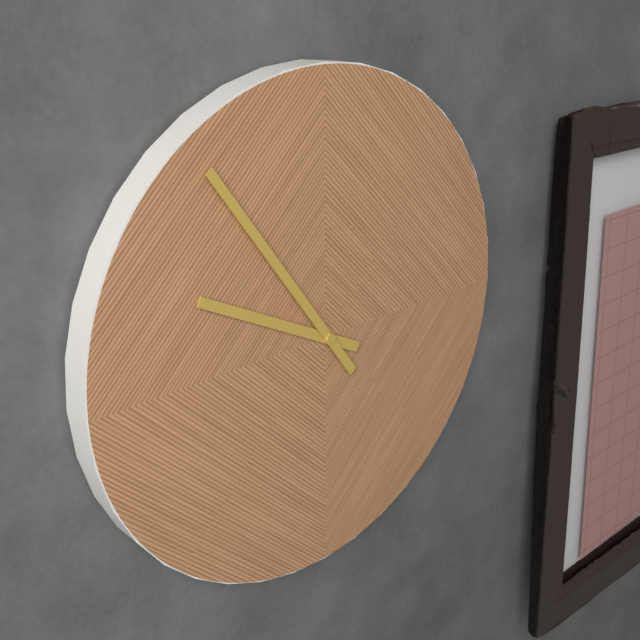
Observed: {"hour": 9, "minute": 54}
